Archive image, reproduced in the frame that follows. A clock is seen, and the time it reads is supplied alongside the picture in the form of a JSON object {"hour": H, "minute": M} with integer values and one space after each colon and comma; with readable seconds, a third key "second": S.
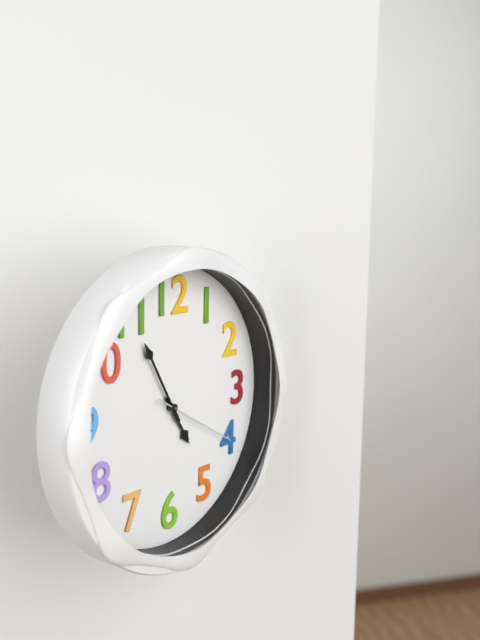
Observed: {"hour": 4, "minute": 55, "second": 20}
